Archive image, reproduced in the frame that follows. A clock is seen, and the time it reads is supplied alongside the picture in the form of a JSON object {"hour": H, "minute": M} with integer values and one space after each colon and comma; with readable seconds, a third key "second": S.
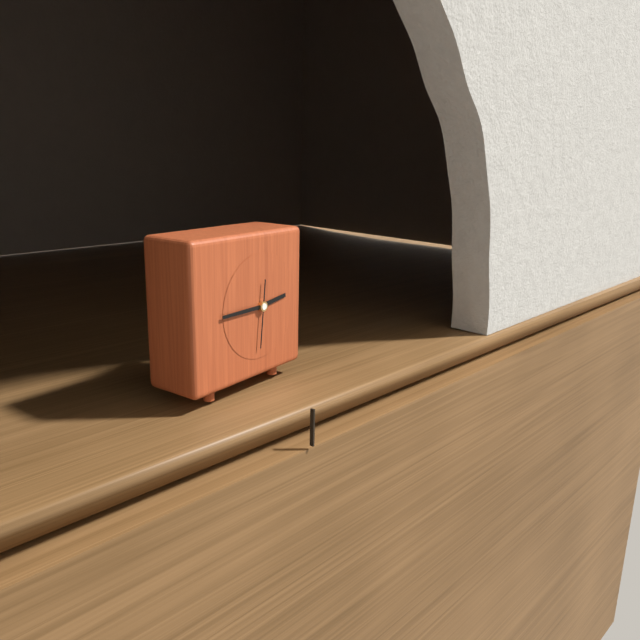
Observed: {"hour": 2, "minute": 45, "second": 31}
